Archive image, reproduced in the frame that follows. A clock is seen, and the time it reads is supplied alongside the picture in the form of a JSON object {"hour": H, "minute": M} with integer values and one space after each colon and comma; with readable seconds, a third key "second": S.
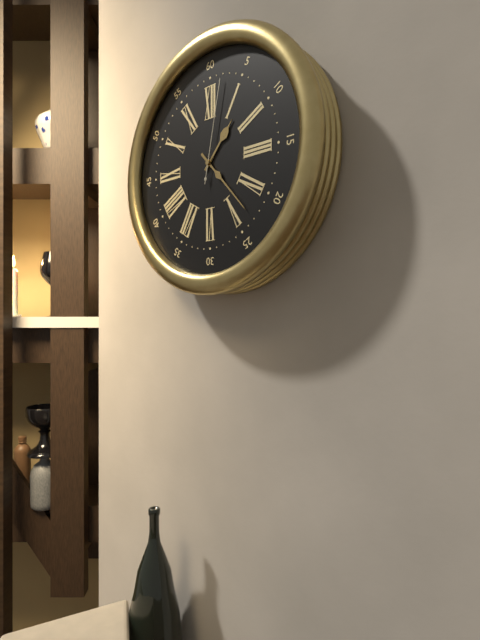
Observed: {"hour": 1, "minute": 23, "second": 2}
